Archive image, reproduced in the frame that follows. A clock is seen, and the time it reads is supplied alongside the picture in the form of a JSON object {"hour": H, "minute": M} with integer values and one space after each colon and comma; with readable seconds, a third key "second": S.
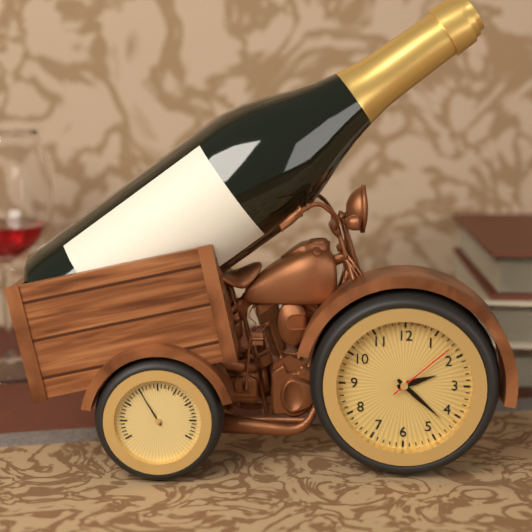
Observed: {"hour": 2, "minute": 22, "second": 8}
